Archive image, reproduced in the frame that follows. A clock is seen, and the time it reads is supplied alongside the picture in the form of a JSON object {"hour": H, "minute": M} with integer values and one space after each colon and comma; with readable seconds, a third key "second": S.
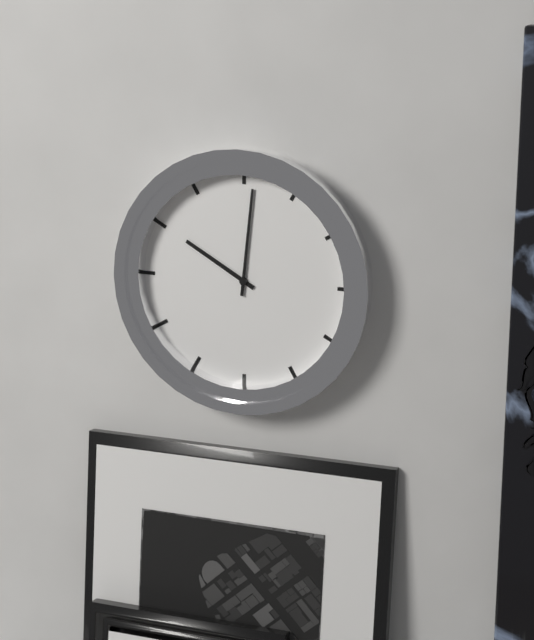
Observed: {"hour": 10, "minute": 1}
